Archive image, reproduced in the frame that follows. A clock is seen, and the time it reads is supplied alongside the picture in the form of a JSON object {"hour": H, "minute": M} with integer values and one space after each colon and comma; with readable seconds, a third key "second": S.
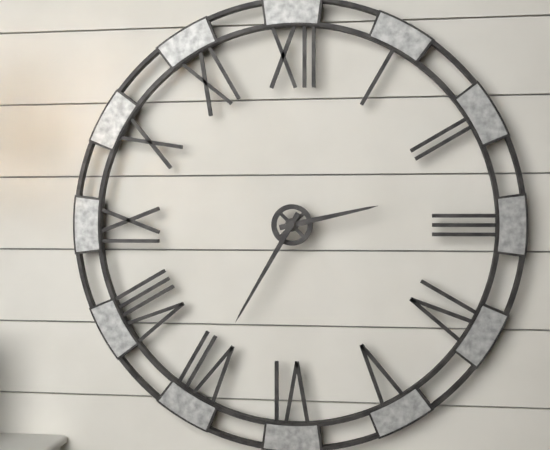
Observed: {"hour": 2, "minute": 35}
